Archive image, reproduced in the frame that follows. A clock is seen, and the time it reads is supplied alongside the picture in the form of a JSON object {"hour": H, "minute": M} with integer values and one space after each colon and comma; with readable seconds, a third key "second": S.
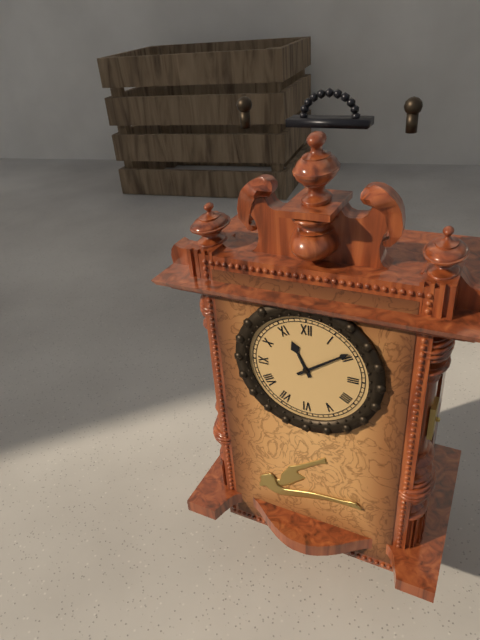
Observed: {"hour": 11, "minute": 9}
